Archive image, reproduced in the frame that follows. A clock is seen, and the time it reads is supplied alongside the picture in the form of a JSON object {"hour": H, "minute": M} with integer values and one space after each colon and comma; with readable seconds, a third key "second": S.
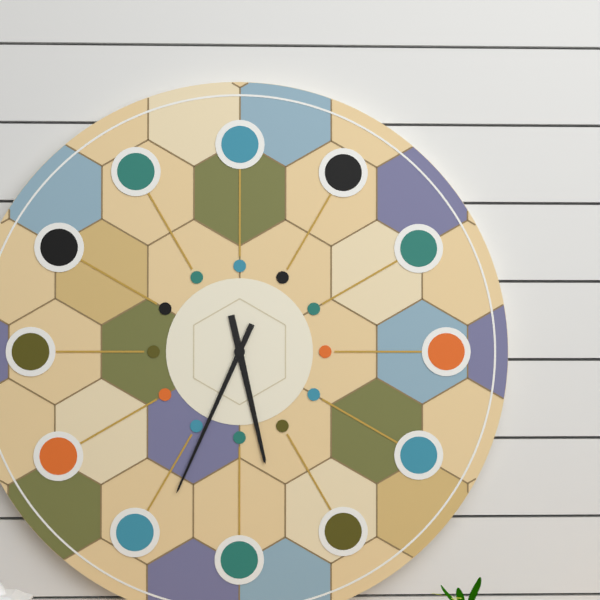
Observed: {"hour": 5, "minute": 34}
